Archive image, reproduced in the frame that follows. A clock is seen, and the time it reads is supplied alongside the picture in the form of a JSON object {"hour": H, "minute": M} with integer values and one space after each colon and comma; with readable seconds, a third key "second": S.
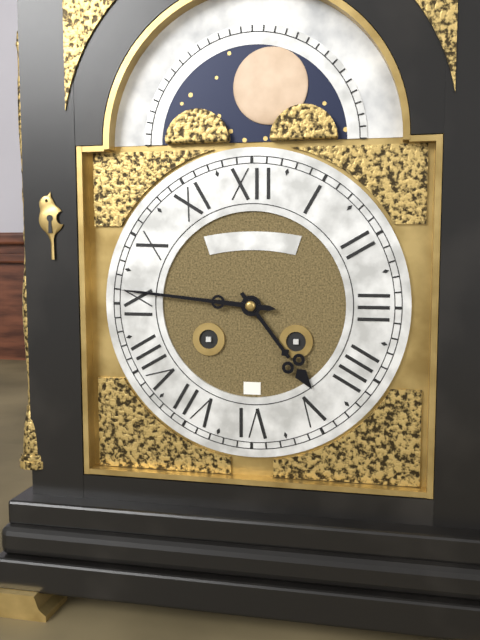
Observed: {"hour": 4, "minute": 46}
